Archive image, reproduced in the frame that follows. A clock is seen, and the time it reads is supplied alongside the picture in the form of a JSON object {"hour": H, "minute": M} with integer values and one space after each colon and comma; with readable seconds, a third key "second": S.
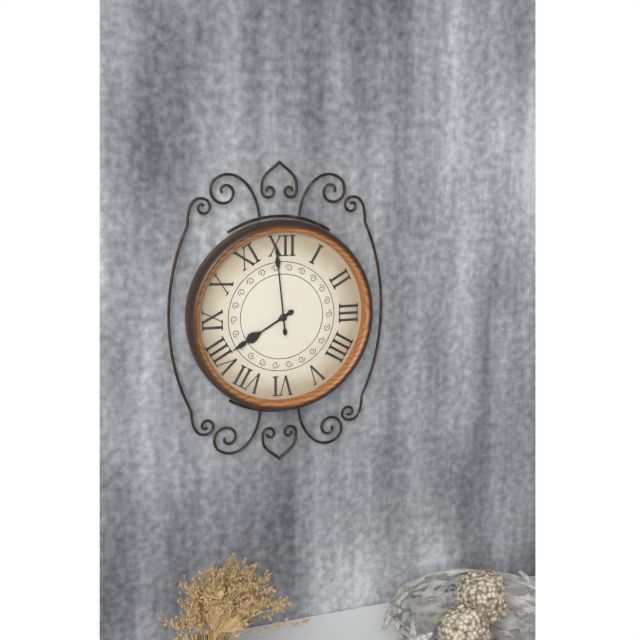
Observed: {"hour": 7, "minute": 59}
